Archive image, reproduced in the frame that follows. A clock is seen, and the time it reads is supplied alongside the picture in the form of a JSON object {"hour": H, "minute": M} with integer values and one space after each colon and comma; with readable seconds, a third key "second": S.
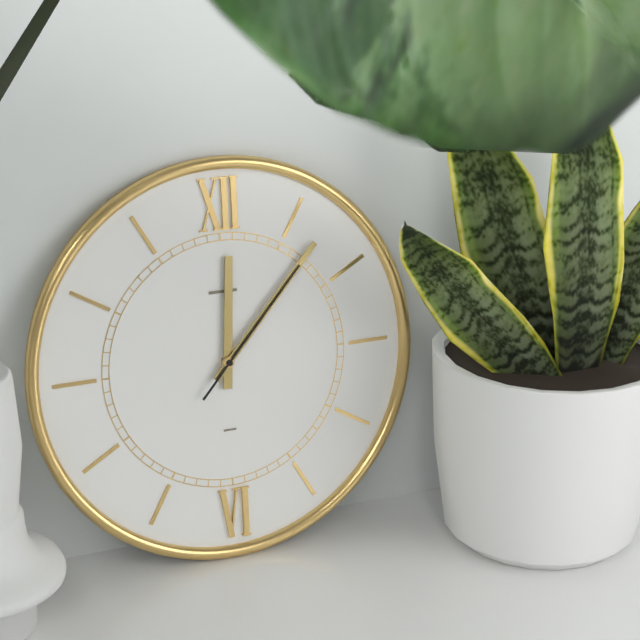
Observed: {"hour": 12, "minute": 7, "second": 7}
